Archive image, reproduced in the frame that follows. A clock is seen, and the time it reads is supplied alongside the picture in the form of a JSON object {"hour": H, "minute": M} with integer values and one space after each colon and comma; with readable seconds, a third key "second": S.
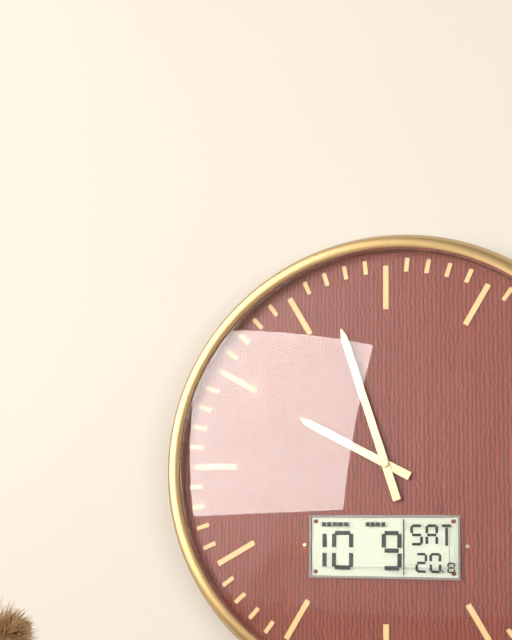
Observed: {"hour": 9, "minute": 57}
